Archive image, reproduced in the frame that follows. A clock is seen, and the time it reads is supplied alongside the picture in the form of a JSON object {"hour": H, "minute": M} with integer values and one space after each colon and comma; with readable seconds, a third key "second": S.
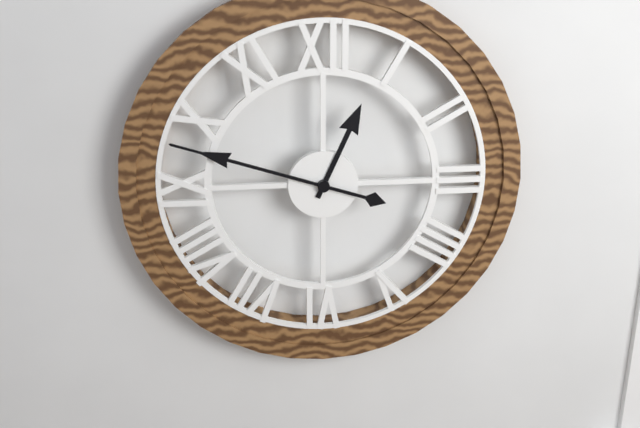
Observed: {"hour": 12, "minute": 48}
